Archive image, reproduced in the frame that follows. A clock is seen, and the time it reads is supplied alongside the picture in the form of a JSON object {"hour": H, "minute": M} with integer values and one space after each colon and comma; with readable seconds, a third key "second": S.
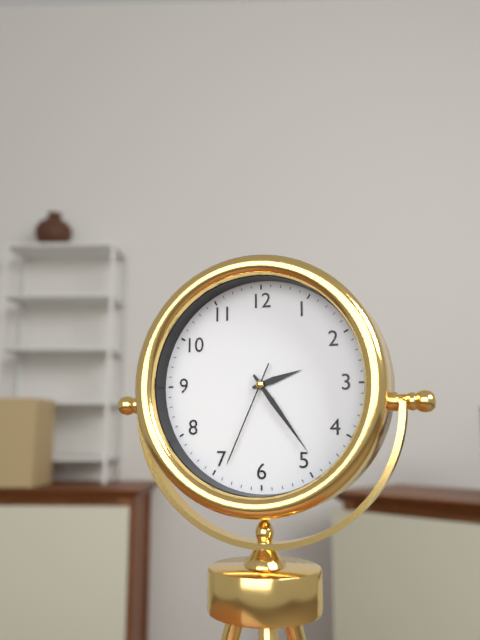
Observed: {"hour": 2, "minute": 24, "second": 34}
